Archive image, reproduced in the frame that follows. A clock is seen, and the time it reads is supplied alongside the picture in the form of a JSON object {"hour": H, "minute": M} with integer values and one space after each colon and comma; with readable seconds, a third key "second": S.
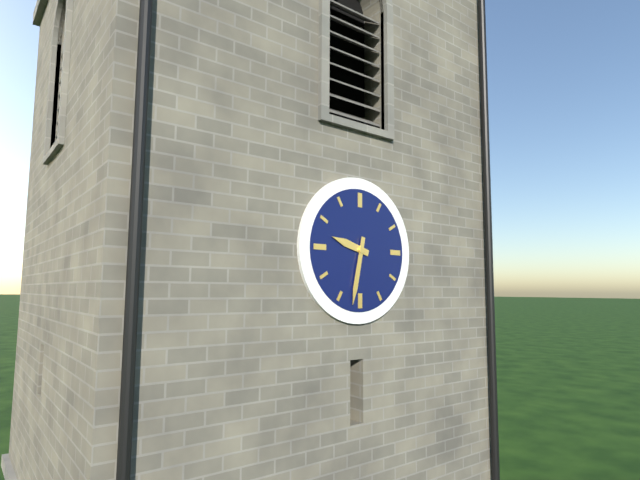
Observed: {"hour": 9, "minute": 32}
